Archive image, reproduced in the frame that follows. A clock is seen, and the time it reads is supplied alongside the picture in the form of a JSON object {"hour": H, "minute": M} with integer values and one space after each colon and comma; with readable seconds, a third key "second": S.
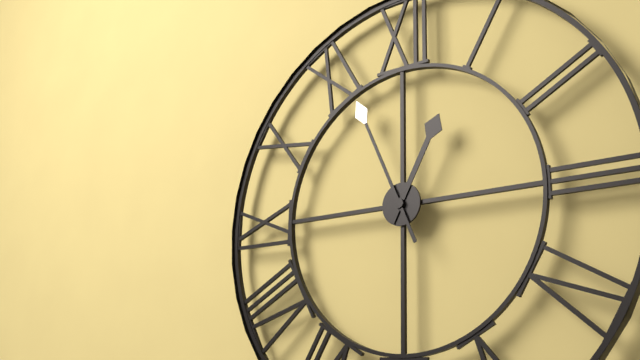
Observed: {"hour": 12, "minute": 56}
